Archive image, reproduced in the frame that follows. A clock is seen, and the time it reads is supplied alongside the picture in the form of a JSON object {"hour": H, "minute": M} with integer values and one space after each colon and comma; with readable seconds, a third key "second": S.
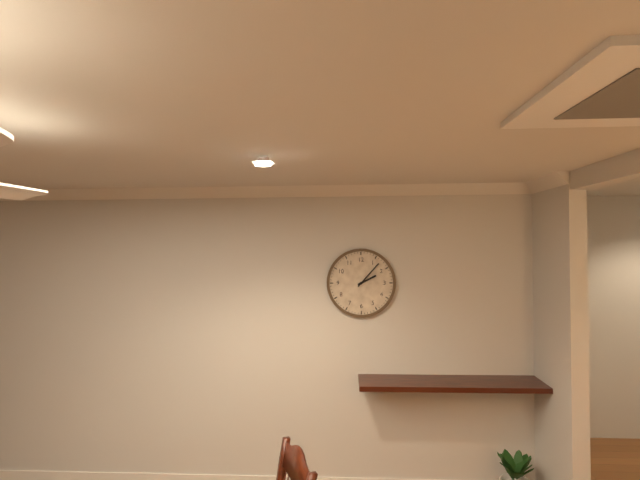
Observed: {"hour": 2, "minute": 7}
